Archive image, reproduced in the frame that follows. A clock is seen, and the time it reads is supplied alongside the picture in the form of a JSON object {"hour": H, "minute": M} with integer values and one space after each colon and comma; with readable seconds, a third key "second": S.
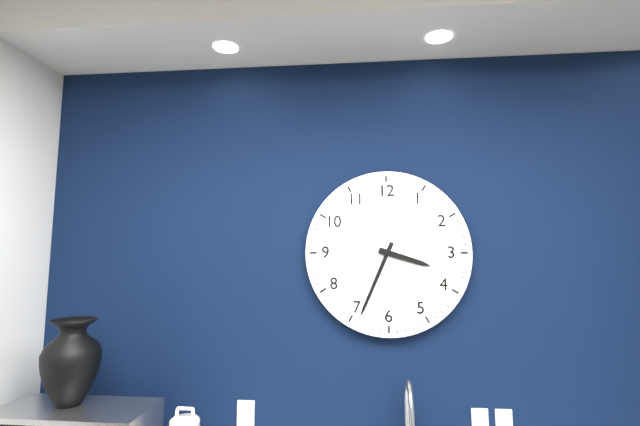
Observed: {"hour": 3, "minute": 34}
